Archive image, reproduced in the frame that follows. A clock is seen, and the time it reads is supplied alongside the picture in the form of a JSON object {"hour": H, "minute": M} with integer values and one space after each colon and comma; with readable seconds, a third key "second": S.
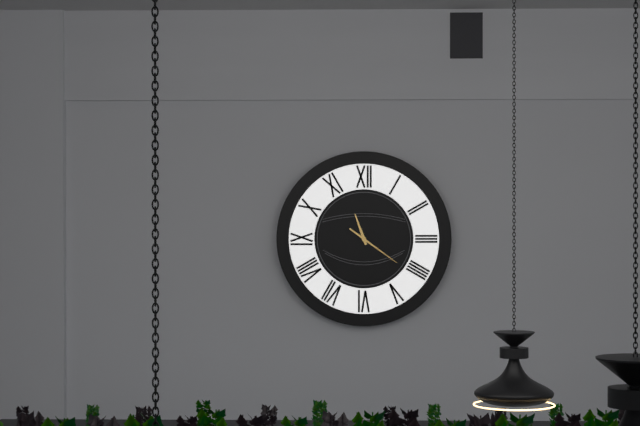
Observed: {"hour": 11, "minute": 21}
